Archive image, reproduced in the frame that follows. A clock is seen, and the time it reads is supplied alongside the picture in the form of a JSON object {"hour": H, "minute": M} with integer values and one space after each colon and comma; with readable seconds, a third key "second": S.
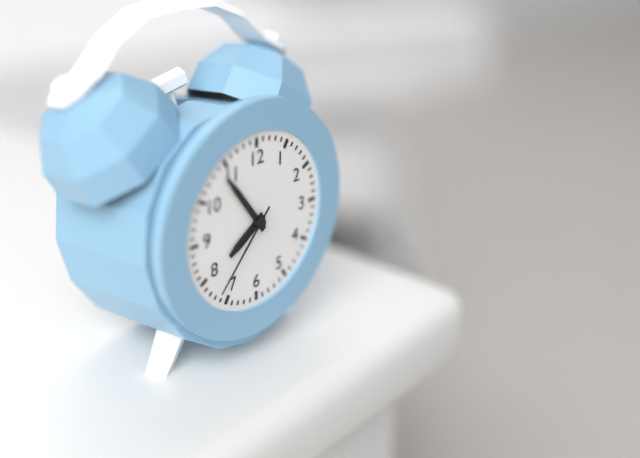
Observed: {"hour": 7, "minute": 54, "second": 37}
